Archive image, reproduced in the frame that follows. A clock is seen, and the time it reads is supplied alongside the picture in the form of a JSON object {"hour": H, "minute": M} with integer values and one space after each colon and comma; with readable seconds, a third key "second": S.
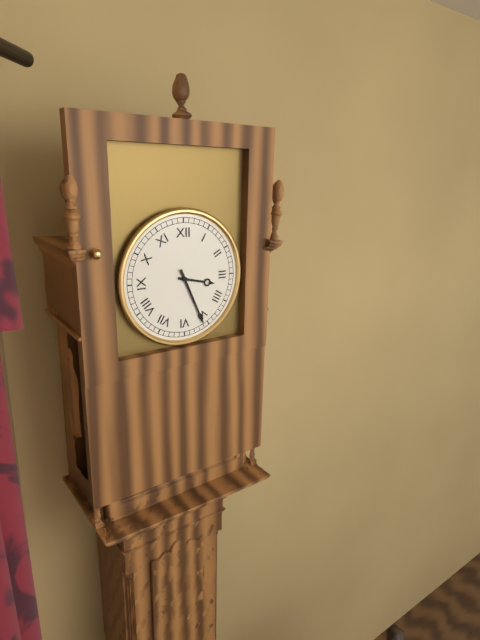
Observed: {"hour": 3, "minute": 26}
